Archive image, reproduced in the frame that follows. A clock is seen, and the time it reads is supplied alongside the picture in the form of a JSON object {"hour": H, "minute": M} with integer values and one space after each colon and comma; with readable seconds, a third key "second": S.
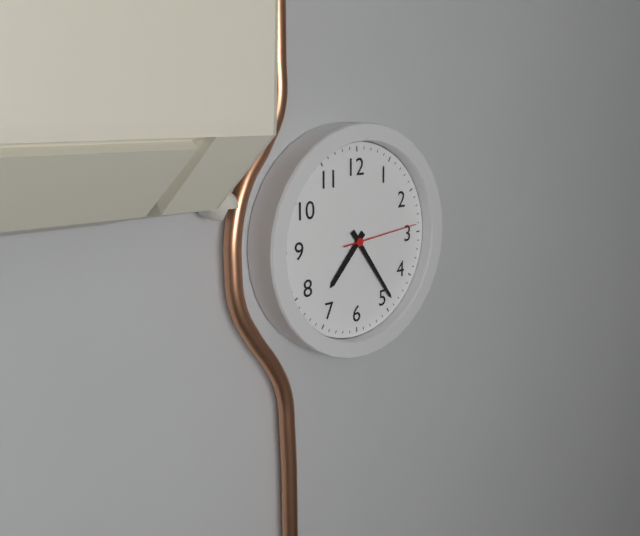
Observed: {"hour": 7, "minute": 24, "second": 14}
